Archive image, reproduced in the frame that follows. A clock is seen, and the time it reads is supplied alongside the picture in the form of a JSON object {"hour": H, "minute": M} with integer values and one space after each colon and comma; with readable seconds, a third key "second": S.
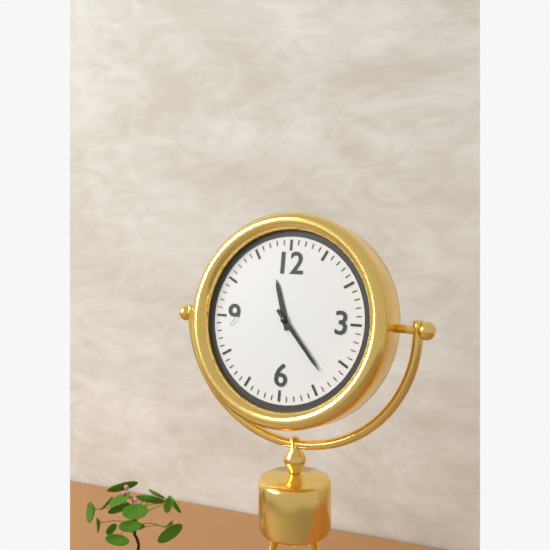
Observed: {"hour": 11, "minute": 23}
